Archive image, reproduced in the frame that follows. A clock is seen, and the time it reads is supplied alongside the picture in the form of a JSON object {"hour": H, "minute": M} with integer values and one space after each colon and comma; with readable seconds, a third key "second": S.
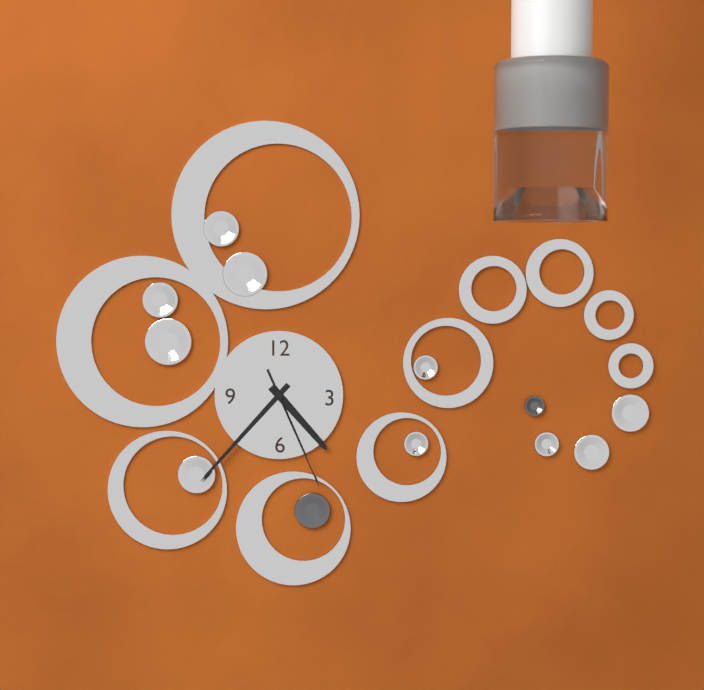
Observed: {"hour": 4, "minute": 37, "second": 26}
